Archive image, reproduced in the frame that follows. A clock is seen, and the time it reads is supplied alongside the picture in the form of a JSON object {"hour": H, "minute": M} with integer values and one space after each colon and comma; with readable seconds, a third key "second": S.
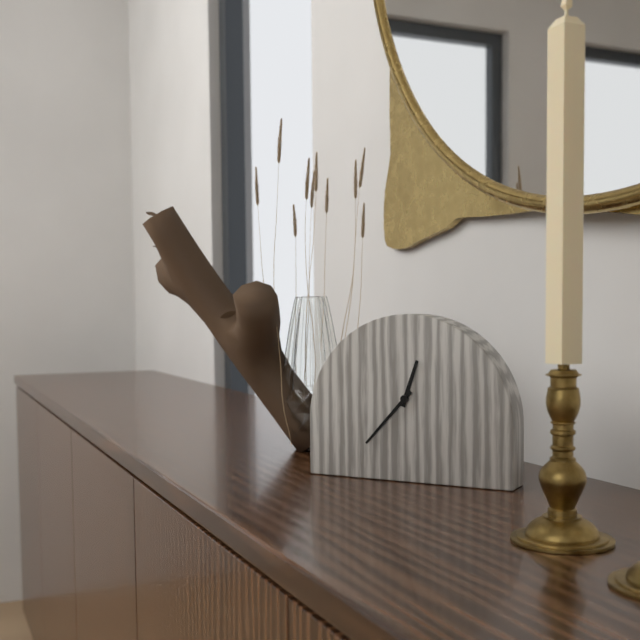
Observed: {"hour": 12, "minute": 37}
